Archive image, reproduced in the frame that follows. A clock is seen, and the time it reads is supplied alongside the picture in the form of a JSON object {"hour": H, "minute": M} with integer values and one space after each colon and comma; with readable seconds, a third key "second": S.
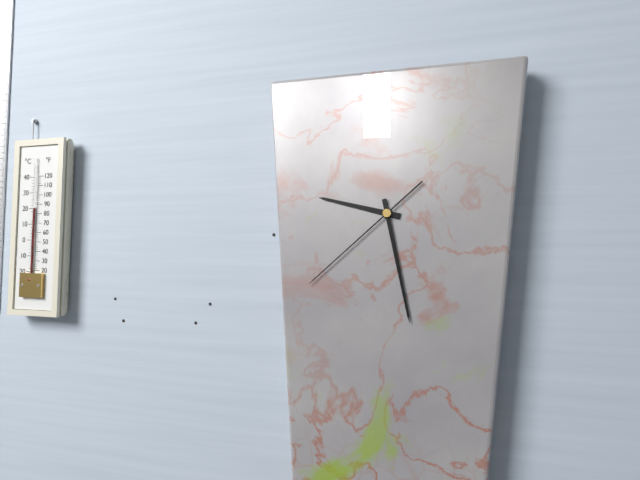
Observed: {"hour": 9, "minute": 28, "second": 38}
